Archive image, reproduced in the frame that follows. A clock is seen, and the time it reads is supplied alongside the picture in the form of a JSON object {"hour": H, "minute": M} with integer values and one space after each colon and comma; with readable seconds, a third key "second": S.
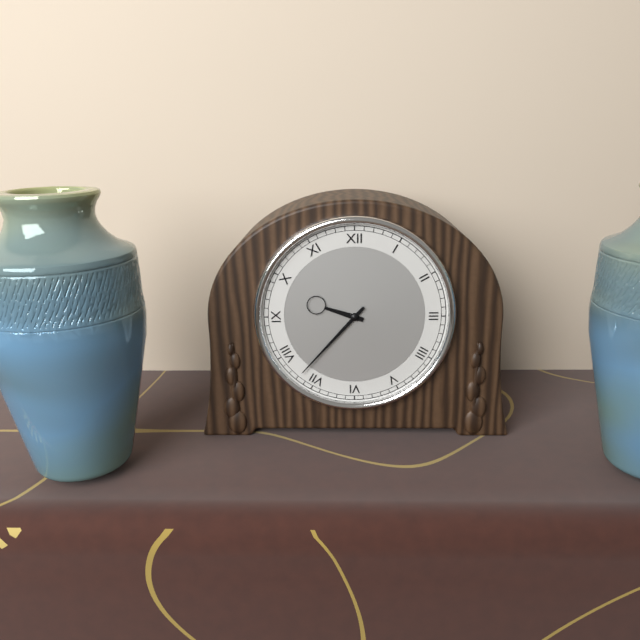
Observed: {"hour": 9, "minute": 37}
